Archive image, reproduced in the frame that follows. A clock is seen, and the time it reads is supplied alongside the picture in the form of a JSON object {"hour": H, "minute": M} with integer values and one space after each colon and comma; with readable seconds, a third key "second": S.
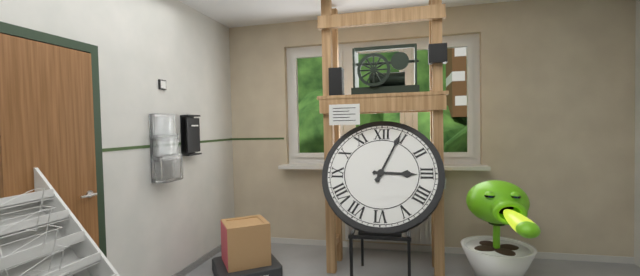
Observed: {"hour": 3, "minute": 4}
